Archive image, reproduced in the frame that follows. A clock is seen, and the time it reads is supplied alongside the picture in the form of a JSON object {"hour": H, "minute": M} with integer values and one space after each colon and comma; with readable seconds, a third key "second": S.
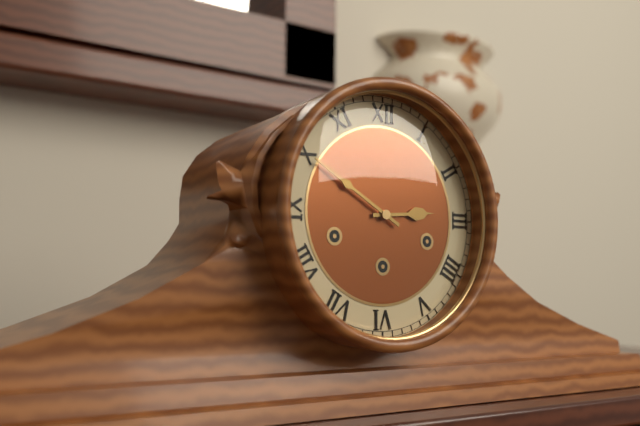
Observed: {"hour": 2, "minute": 50}
